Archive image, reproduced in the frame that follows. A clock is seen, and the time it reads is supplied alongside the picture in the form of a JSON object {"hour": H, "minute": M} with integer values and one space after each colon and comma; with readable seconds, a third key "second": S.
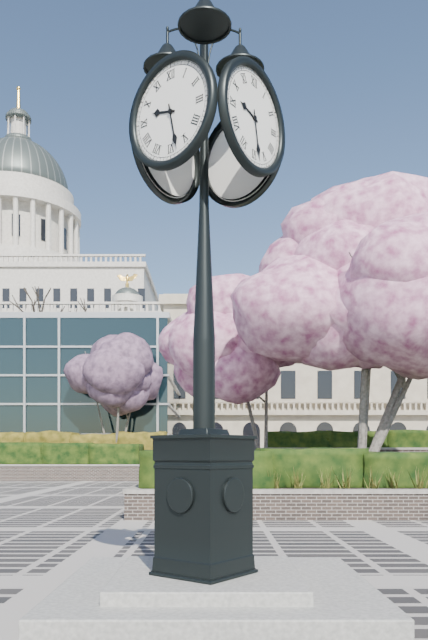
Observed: {"hour": 9, "minute": 28}
